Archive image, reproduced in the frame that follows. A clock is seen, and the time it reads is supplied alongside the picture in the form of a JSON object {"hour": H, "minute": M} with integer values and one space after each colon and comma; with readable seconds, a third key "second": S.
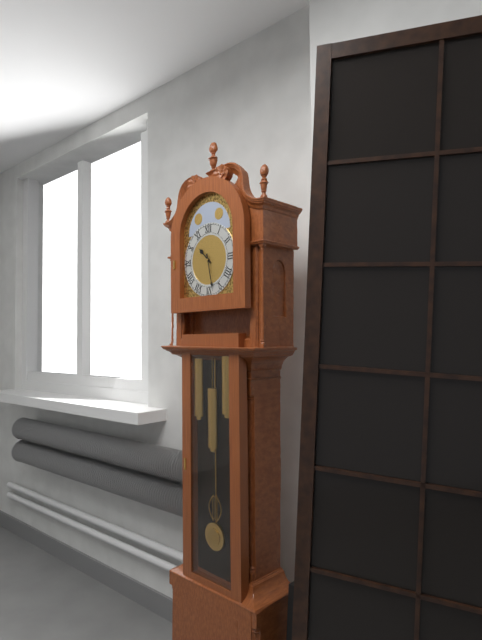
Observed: {"hour": 10, "minute": 28}
